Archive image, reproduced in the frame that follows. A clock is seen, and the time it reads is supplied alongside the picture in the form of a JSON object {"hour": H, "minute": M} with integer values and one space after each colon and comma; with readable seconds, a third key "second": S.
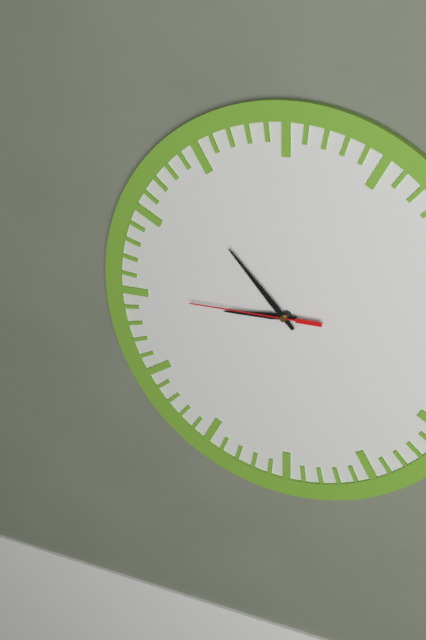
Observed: {"hour": 8, "minute": 53, "second": 45}
